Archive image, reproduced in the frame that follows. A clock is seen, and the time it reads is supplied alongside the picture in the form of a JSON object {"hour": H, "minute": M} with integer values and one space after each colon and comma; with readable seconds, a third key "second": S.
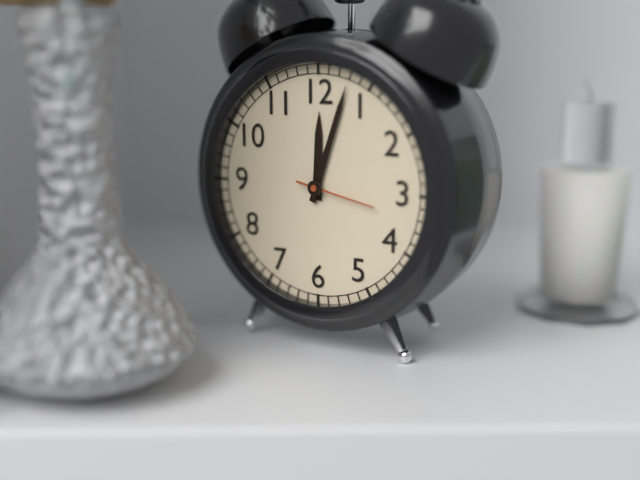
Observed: {"hour": 12, "minute": 3, "second": 17}
